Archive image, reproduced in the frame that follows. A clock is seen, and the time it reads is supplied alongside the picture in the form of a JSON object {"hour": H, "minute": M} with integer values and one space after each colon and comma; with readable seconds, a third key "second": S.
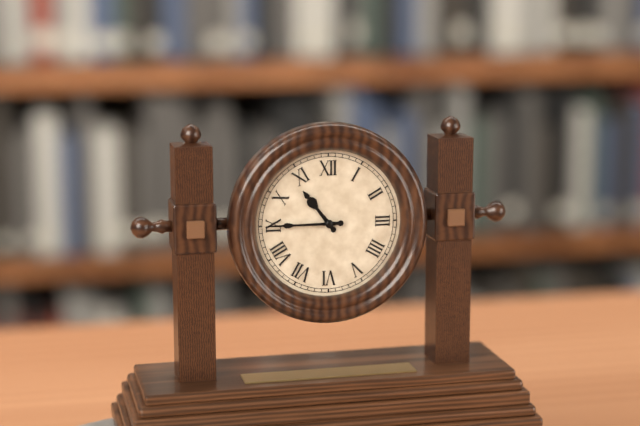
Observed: {"hour": 10, "minute": 45}
